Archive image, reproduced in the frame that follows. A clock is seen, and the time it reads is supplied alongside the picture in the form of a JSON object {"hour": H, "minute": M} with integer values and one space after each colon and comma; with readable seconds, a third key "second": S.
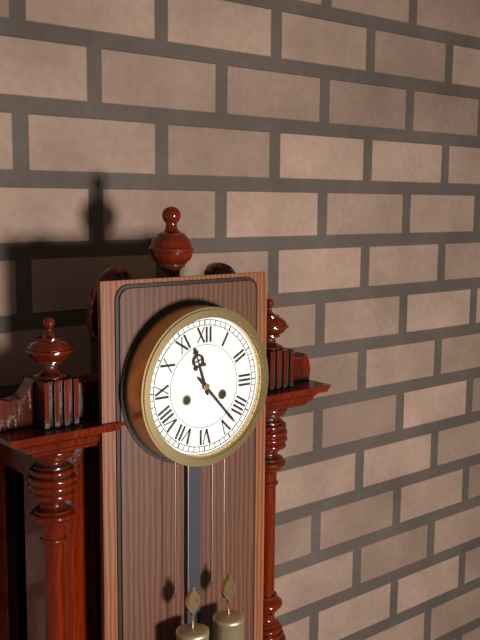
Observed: {"hour": 11, "minute": 23}
